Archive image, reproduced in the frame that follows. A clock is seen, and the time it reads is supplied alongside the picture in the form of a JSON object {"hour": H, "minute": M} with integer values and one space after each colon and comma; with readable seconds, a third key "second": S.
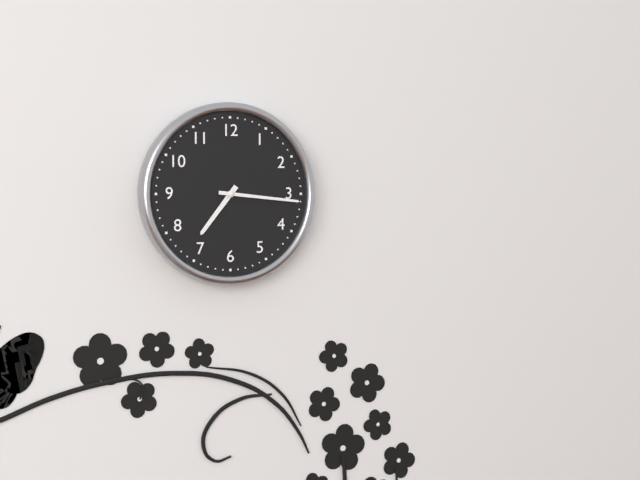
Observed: {"hour": 7, "minute": 16}
